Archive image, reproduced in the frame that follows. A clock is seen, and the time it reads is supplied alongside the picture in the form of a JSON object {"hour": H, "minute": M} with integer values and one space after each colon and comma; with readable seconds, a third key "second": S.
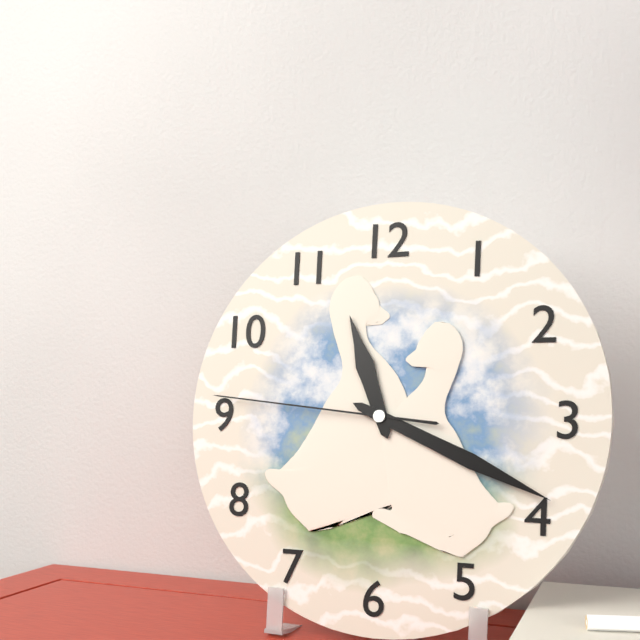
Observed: {"hour": 11, "minute": 19, "second": 46}
